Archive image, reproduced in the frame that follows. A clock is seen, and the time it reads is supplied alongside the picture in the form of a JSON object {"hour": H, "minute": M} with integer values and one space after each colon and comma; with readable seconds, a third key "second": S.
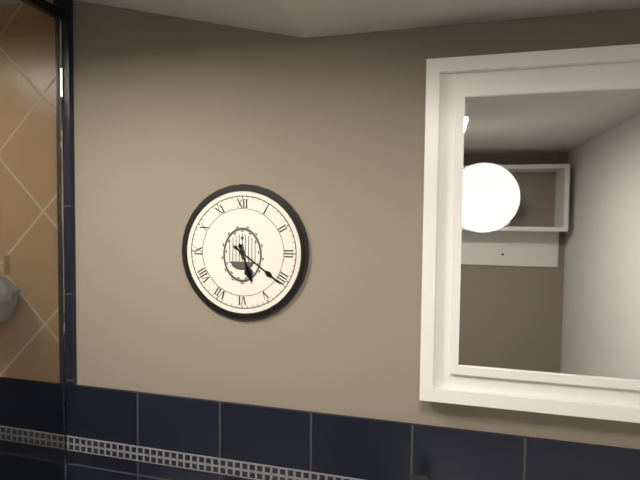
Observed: {"hour": 5, "minute": 21}
